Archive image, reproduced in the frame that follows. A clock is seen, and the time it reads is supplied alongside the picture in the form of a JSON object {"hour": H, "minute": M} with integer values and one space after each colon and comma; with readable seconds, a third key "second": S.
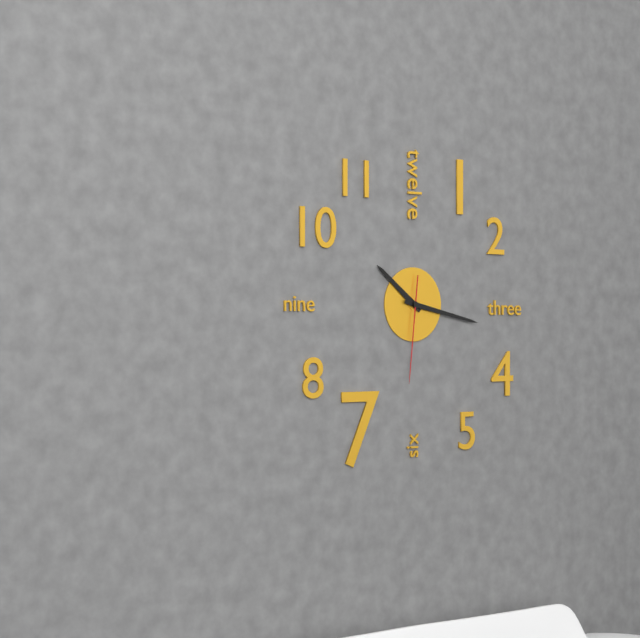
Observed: {"hour": 10, "minute": 17, "second": 31}
